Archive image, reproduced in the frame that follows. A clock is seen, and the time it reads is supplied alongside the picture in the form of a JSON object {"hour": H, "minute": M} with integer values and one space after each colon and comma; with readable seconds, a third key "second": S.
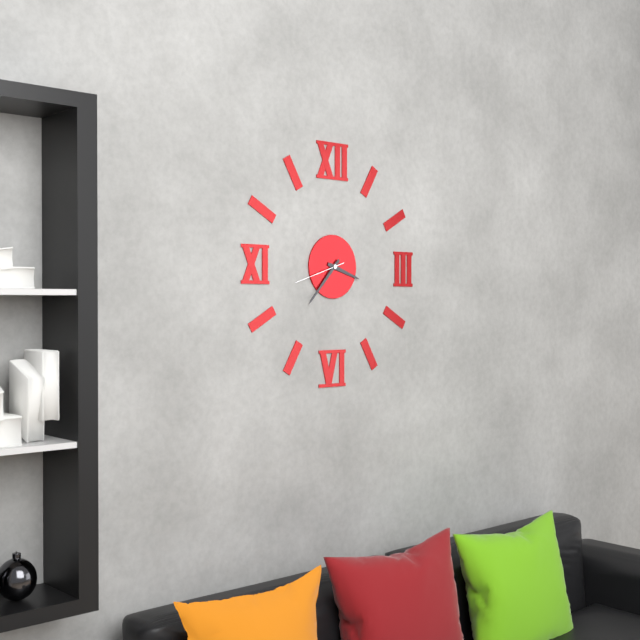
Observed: {"hour": 3, "minute": 37}
